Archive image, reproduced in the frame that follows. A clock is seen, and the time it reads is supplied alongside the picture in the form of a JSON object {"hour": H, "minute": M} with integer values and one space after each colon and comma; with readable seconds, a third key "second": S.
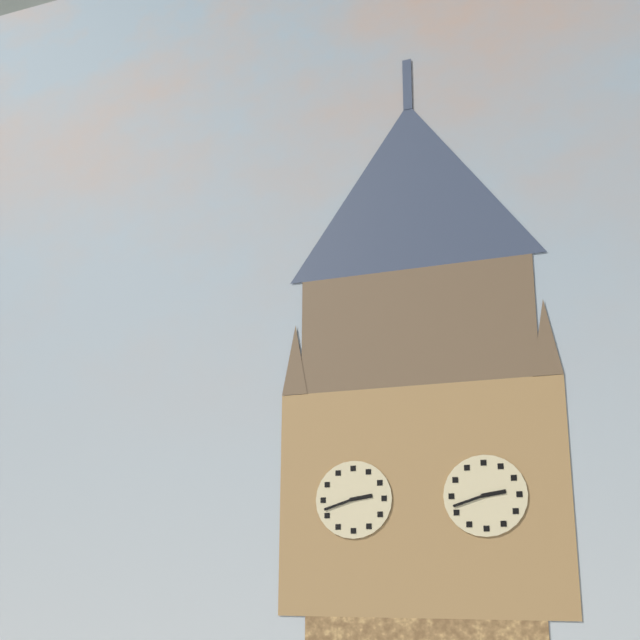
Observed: {"hour": 2, "minute": 42}
